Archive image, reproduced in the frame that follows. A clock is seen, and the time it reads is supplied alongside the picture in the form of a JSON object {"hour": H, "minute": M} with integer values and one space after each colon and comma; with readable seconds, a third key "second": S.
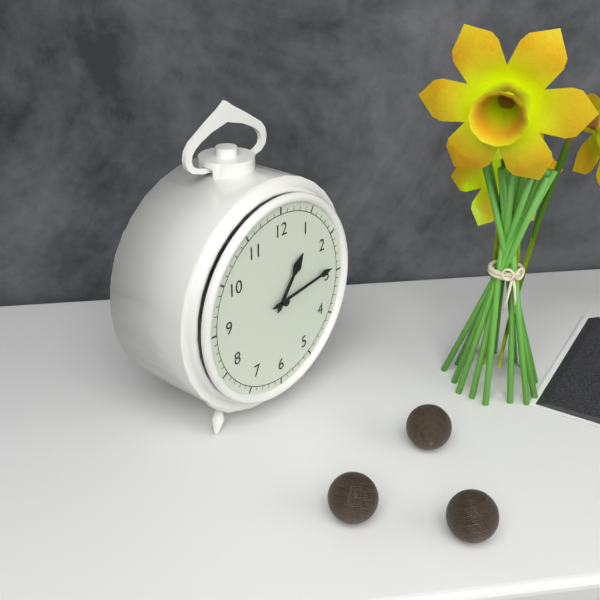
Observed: {"hour": 1, "minute": 14}
